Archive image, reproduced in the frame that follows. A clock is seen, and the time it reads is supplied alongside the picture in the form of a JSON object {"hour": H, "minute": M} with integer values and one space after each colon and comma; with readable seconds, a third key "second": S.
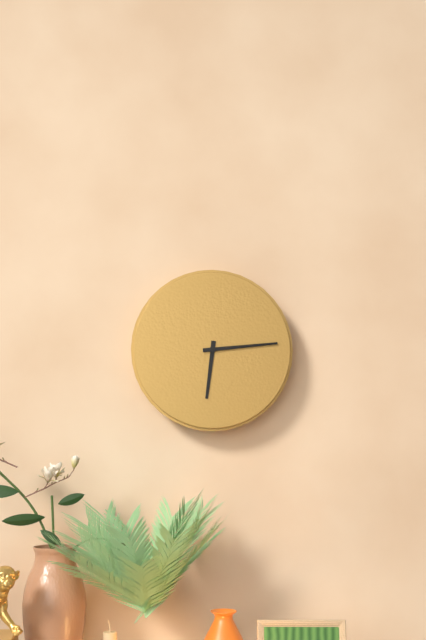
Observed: {"hour": 6, "minute": 14}
